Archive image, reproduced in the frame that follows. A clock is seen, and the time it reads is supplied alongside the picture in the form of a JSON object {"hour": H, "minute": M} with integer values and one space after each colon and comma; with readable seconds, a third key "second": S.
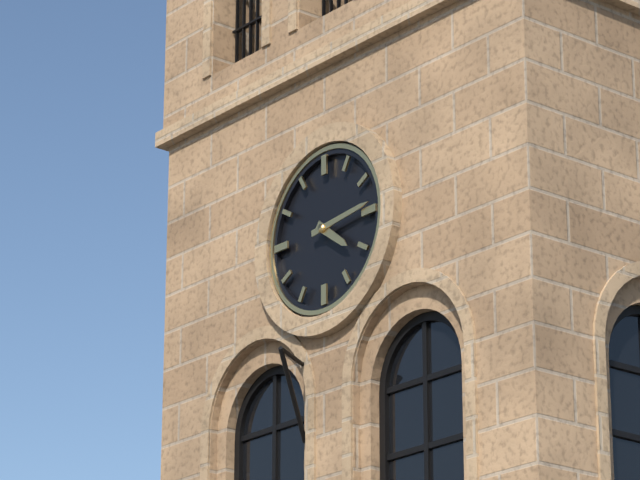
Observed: {"hour": 4, "minute": 14}
